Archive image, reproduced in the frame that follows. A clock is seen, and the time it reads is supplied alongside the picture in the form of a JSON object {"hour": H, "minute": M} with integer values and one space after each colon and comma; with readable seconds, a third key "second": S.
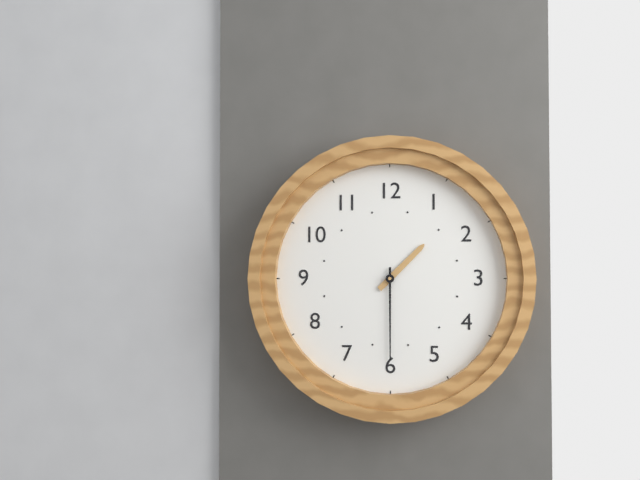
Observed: {"hour": 1, "minute": 30}
